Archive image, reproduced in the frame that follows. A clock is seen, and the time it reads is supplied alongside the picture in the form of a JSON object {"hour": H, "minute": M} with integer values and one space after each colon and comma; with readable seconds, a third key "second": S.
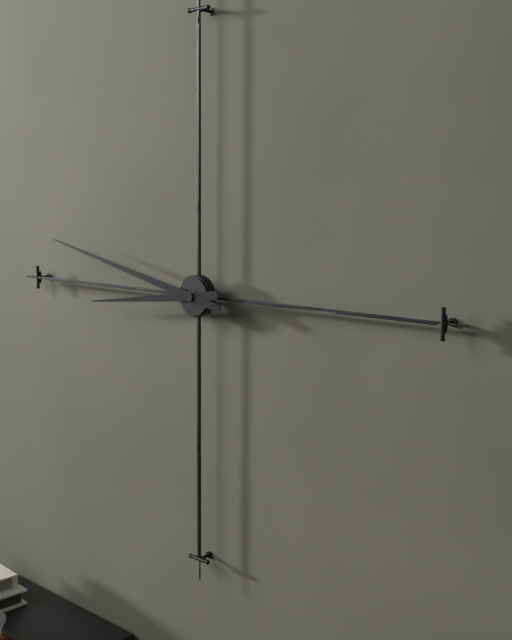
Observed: {"hour": 8, "minute": 47}
